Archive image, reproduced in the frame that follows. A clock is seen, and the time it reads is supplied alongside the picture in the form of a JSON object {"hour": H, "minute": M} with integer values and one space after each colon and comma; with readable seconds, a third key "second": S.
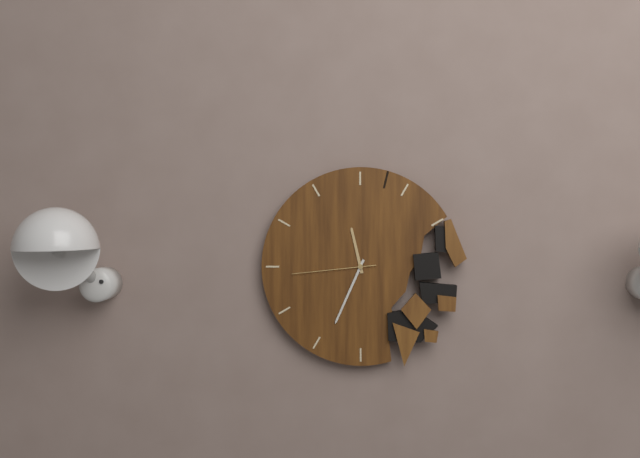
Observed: {"hour": 11, "minute": 34, "second": 44}
